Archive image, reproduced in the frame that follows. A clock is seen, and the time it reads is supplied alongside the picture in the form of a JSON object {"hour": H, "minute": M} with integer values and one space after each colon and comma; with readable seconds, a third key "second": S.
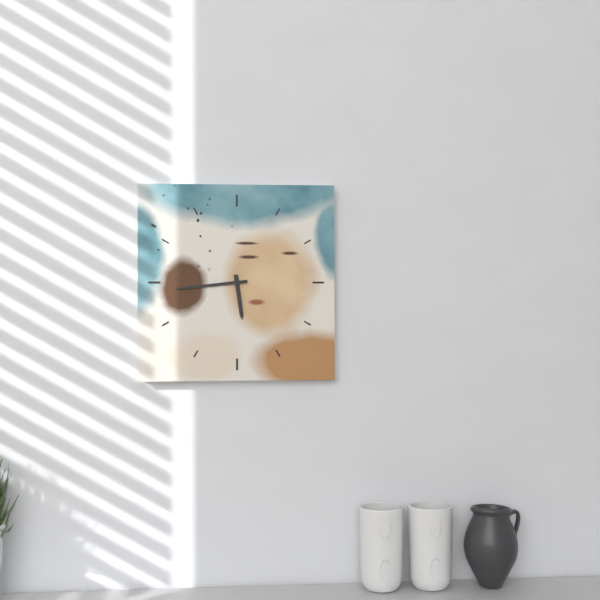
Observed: {"hour": 5, "minute": 44}
